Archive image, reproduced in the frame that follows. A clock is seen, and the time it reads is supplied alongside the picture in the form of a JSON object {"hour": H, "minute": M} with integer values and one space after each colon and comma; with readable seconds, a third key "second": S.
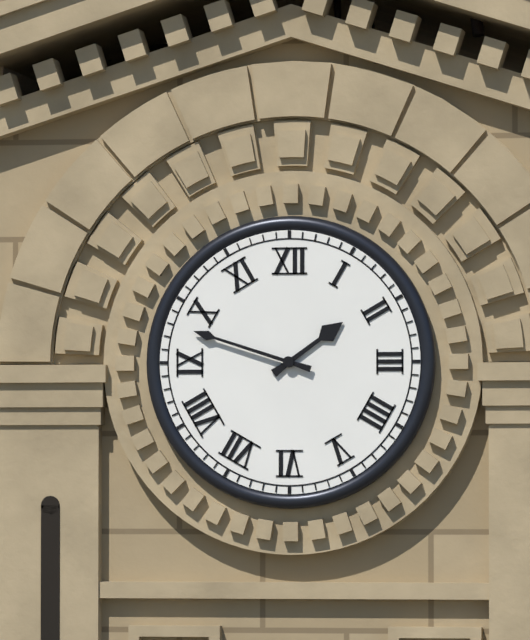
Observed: {"hour": 1, "minute": 48}
